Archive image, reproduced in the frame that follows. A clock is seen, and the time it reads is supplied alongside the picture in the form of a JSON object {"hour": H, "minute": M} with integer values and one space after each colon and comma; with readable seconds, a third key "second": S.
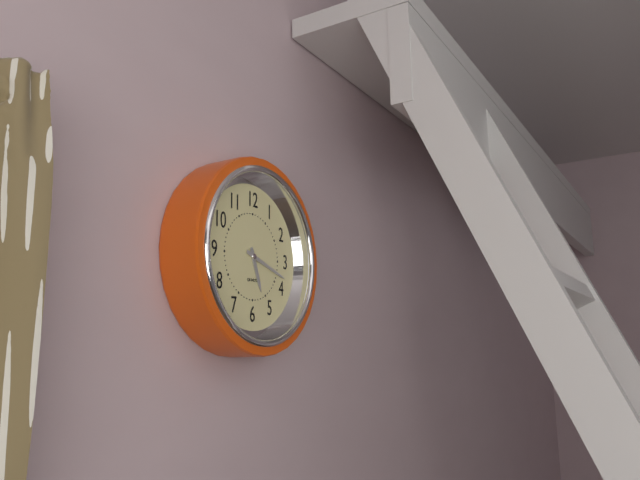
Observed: {"hour": 5, "minute": 18}
